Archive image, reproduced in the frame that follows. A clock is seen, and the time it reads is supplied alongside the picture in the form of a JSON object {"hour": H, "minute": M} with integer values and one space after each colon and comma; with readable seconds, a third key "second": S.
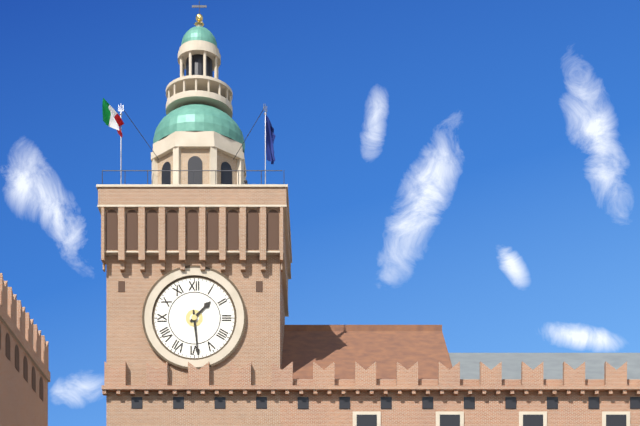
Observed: {"hour": 1, "minute": 29}
